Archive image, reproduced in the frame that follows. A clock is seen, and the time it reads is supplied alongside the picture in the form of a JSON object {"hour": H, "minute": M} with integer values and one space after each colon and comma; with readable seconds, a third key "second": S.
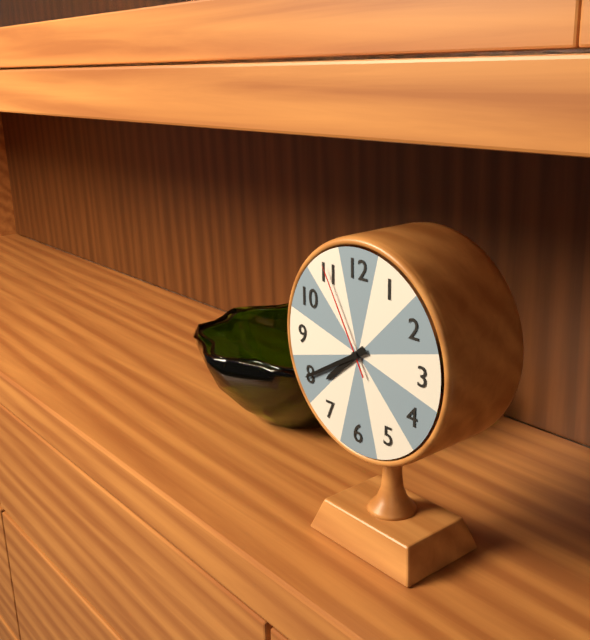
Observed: {"hour": 7, "minute": 40, "second": 55}
